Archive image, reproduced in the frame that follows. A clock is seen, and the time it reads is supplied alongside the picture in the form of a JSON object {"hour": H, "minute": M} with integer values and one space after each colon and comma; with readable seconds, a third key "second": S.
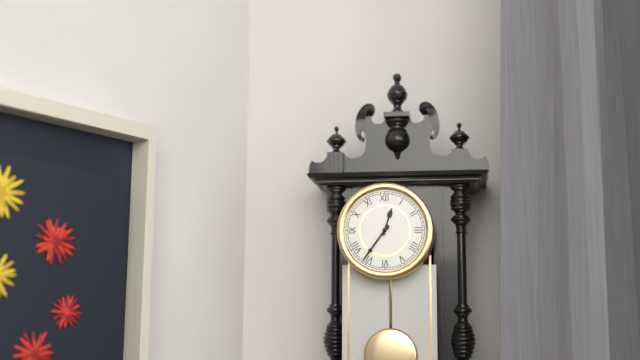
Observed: {"hour": 12, "minute": 36}
